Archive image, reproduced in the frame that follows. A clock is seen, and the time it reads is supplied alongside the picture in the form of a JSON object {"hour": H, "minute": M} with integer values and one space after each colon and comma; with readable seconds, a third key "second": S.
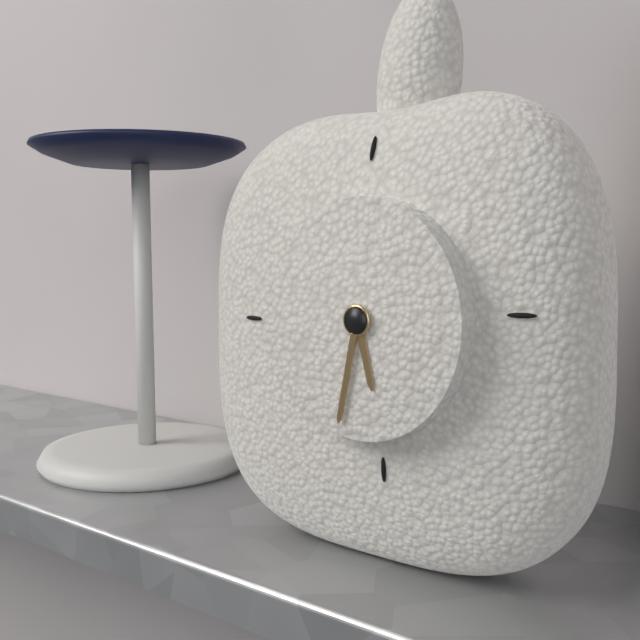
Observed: {"hour": 5, "minute": 32}
